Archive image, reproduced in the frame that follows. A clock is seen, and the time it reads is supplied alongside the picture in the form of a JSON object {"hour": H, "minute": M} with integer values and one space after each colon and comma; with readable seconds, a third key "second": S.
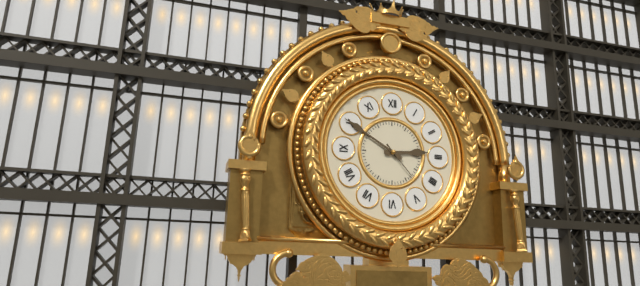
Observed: {"hour": 2, "minute": 50}
